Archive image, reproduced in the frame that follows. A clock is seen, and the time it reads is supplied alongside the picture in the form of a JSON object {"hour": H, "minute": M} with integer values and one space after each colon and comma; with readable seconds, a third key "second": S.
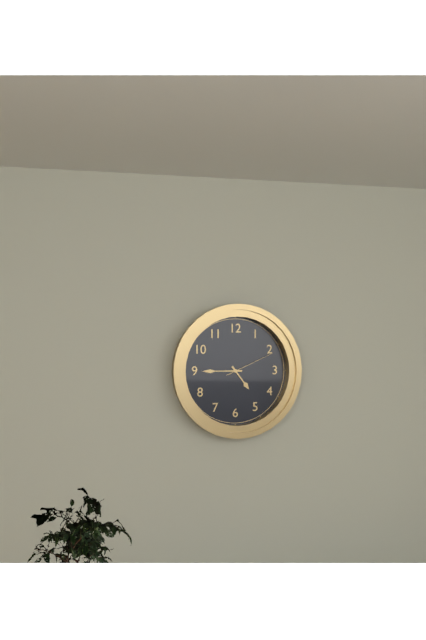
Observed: {"hour": 4, "minute": 45, "second": 11}
